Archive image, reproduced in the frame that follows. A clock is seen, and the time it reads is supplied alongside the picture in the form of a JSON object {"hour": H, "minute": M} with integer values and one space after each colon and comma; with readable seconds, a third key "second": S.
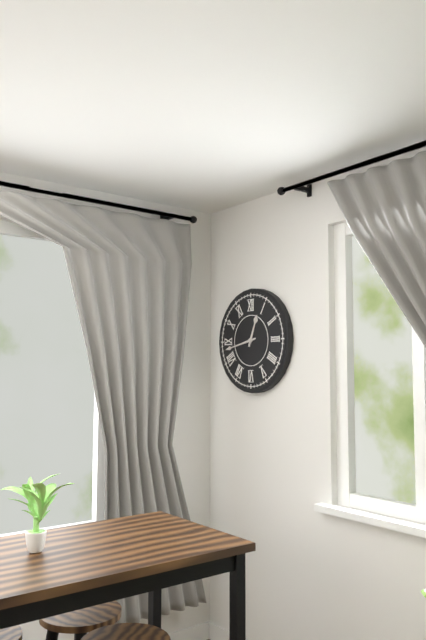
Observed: {"hour": 12, "minute": 43}
